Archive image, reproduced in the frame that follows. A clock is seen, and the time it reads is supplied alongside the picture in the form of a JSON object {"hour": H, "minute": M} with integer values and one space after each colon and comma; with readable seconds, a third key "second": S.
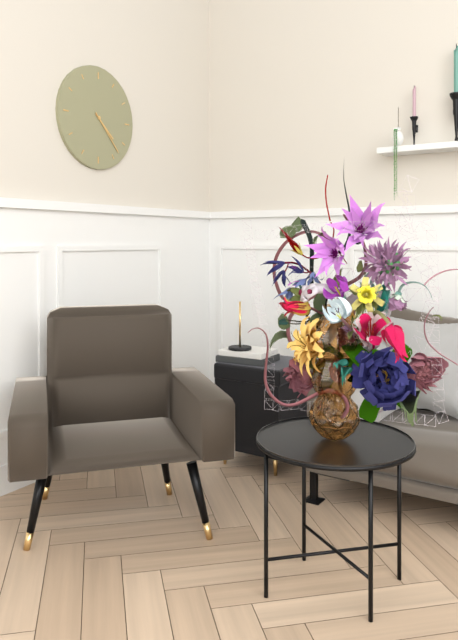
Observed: {"hour": 4, "minute": 23}
